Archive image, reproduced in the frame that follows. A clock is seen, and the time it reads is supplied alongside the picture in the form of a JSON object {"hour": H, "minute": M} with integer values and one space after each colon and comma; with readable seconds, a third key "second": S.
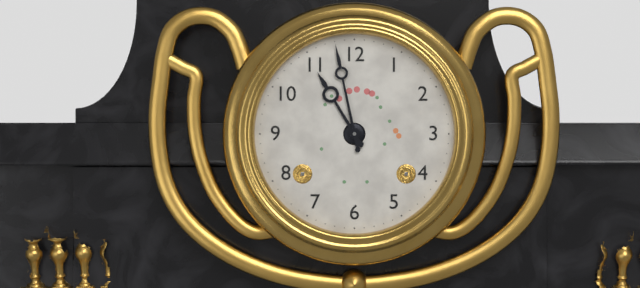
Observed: {"hour": 10, "minute": 58}
